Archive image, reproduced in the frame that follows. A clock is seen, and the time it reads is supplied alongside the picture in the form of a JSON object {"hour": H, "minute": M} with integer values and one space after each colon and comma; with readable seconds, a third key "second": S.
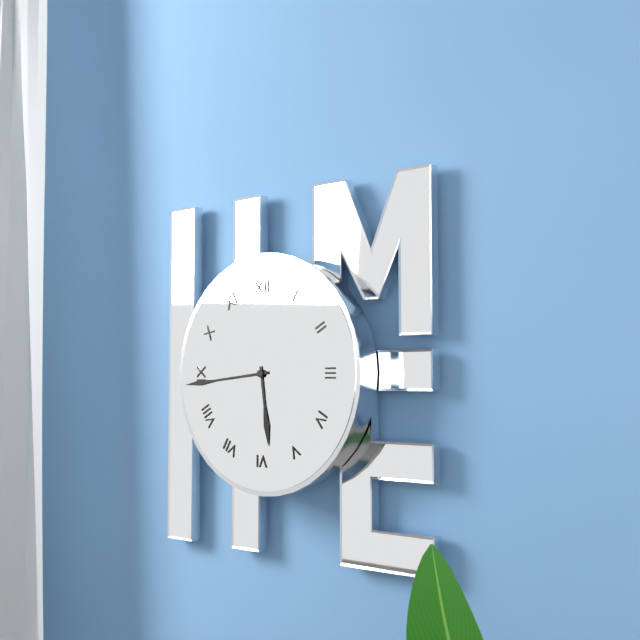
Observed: {"hour": 5, "minute": 44}
